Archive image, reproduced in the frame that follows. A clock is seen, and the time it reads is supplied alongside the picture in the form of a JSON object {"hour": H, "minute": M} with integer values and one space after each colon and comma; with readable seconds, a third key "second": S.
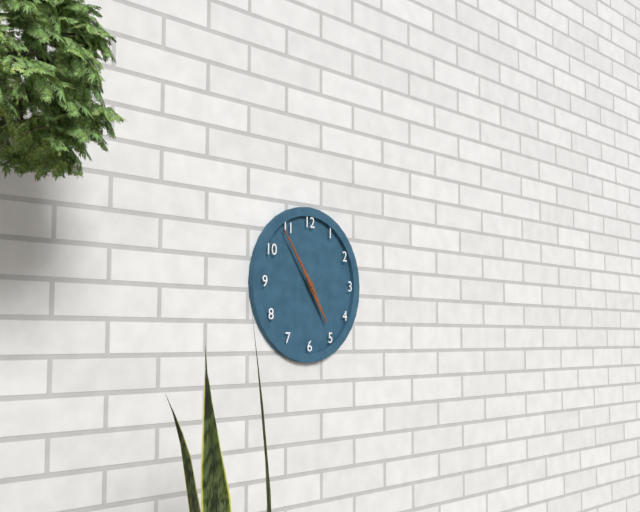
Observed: {"hour": 4, "minute": 54}
